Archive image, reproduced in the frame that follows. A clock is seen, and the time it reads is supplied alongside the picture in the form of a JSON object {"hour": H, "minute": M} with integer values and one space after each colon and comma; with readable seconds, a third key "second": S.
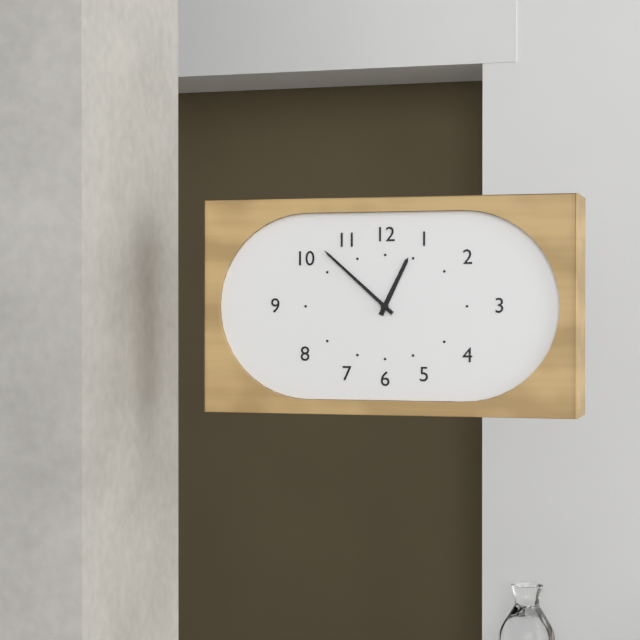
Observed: {"hour": 12, "minute": 52}
